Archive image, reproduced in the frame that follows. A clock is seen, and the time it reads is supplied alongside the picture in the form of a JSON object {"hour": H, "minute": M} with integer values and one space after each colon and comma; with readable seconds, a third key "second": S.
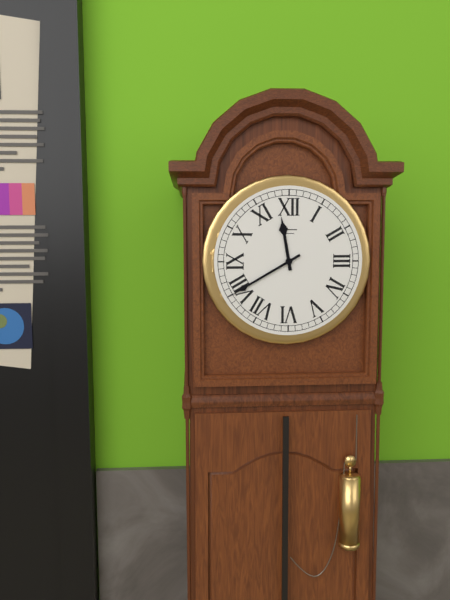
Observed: {"hour": 11, "minute": 40}
